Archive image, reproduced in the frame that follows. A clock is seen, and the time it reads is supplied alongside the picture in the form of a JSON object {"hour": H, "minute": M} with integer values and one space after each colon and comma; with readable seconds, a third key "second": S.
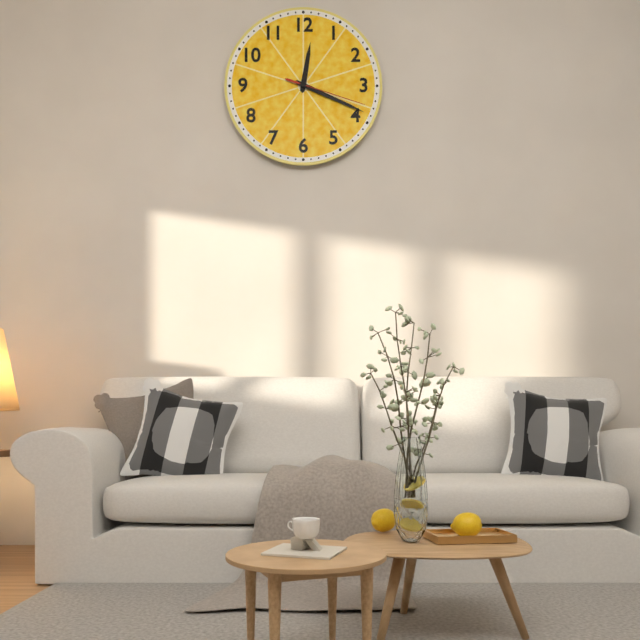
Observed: {"hour": 12, "minute": 19, "second": 18}
